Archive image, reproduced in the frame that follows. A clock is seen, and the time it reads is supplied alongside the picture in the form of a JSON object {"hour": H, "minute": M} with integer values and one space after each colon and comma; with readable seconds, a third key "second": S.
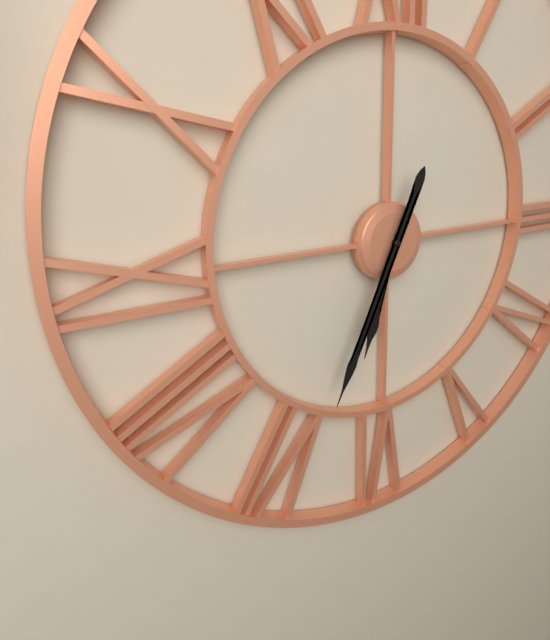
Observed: {"hour": 6, "minute": 34}
